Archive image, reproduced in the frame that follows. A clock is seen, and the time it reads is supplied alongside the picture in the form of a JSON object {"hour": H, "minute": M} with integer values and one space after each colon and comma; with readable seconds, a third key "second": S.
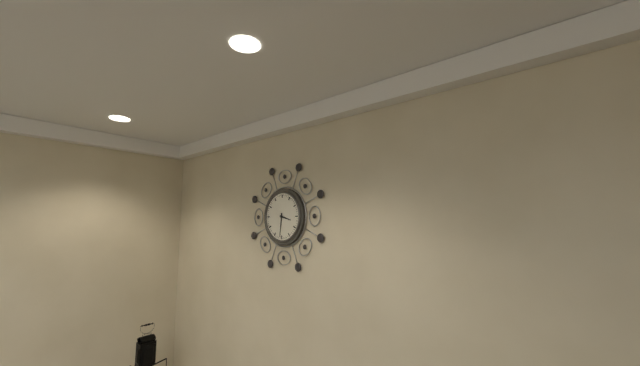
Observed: {"hour": 3, "minute": 31}
